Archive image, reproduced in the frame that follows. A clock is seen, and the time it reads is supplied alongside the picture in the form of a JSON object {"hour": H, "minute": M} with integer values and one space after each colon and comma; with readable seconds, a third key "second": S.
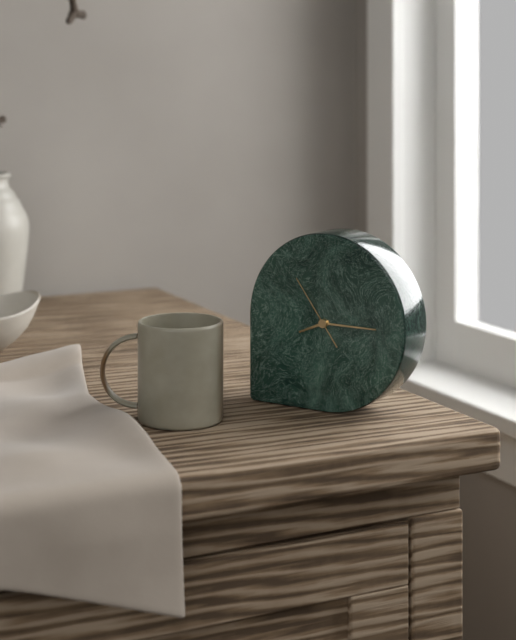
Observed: {"hour": 8, "minute": 15, "second": 54}
